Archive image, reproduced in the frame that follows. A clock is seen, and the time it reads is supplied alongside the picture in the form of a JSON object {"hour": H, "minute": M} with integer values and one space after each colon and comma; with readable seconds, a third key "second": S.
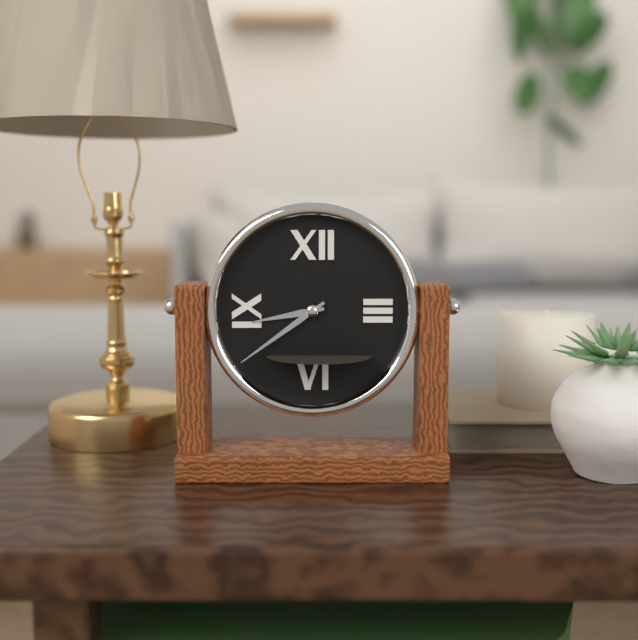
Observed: {"hour": 8, "minute": 39}
